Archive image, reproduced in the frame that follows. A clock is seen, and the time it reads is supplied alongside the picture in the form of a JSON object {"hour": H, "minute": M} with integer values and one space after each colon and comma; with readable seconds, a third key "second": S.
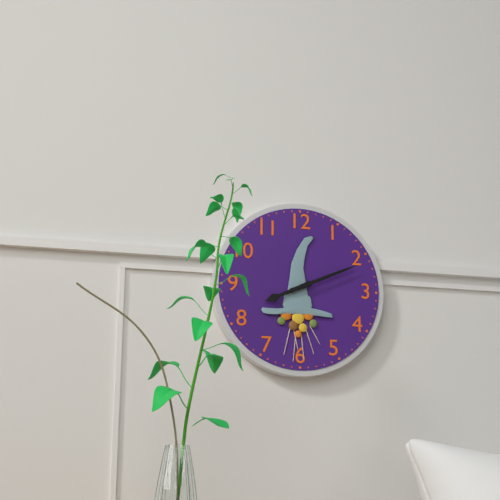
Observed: {"hour": 8, "minute": 11}
